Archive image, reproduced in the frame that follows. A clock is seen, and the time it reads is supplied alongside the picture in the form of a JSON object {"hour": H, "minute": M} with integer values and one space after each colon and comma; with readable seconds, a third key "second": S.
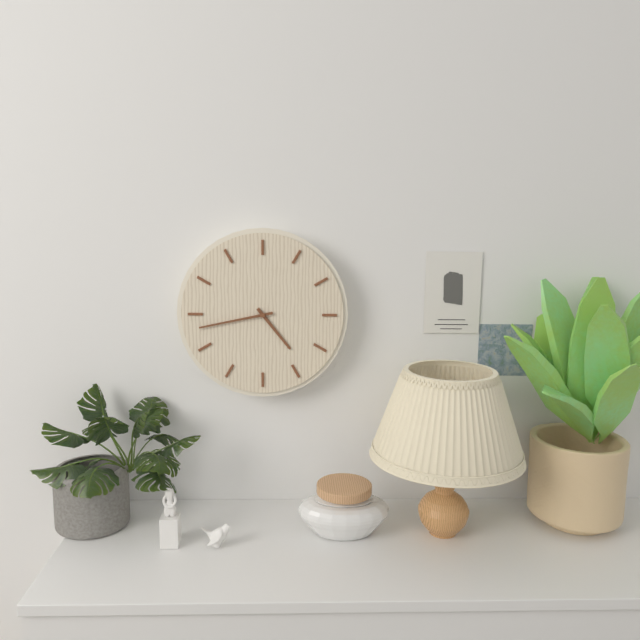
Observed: {"hour": 4, "minute": 43}
